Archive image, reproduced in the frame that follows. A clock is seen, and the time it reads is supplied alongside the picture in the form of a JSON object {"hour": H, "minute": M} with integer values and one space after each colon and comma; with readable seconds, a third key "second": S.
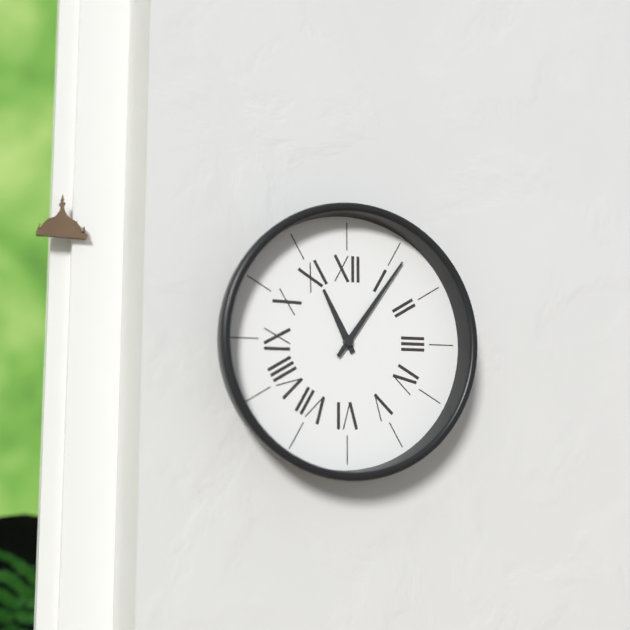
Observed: {"hour": 11, "minute": 6}
